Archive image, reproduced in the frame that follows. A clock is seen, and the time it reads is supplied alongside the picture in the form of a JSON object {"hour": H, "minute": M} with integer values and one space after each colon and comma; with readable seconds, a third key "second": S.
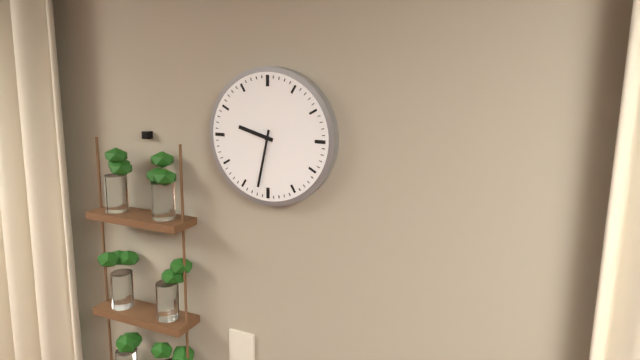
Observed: {"hour": 9, "minute": 32}
